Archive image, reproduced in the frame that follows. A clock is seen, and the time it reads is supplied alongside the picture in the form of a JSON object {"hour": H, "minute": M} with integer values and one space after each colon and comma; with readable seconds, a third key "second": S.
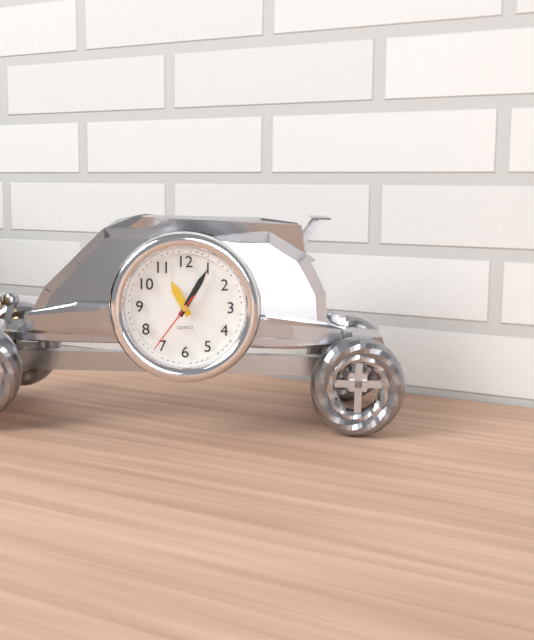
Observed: {"hour": 11, "minute": 5, "second": 36}
